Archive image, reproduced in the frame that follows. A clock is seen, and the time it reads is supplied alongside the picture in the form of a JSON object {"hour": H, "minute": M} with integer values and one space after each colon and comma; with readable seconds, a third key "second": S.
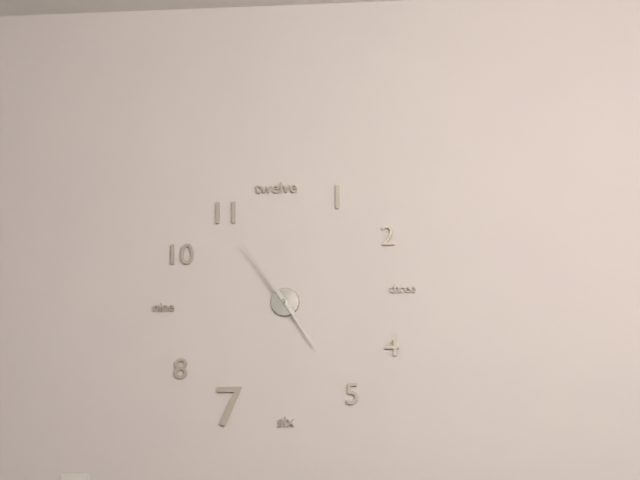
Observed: {"hour": 4, "minute": 54}
